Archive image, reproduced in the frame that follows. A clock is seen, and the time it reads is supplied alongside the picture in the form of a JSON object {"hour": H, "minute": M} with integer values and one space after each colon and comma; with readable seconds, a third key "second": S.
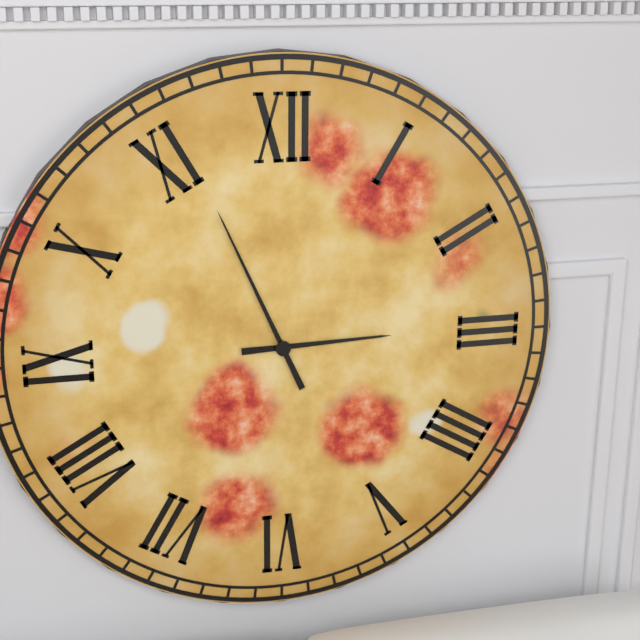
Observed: {"hour": 2, "minute": 56}
